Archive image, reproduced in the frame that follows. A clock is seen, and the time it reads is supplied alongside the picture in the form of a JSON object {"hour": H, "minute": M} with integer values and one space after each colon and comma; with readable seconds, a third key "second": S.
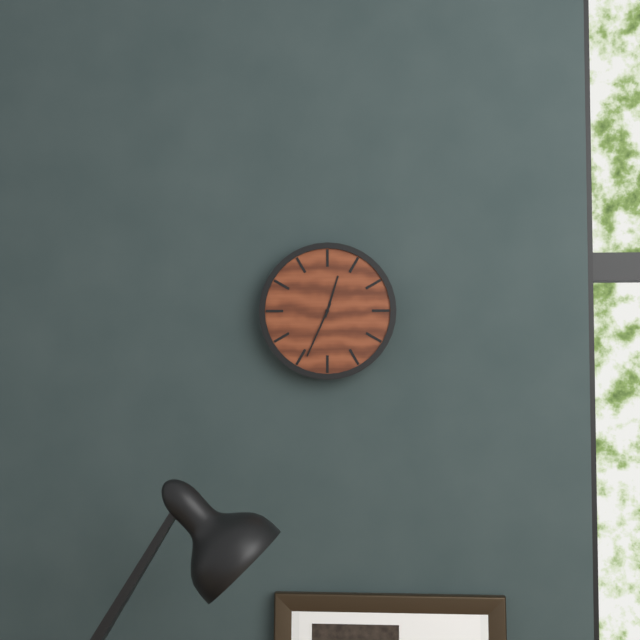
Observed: {"hour": 12, "minute": 34}
